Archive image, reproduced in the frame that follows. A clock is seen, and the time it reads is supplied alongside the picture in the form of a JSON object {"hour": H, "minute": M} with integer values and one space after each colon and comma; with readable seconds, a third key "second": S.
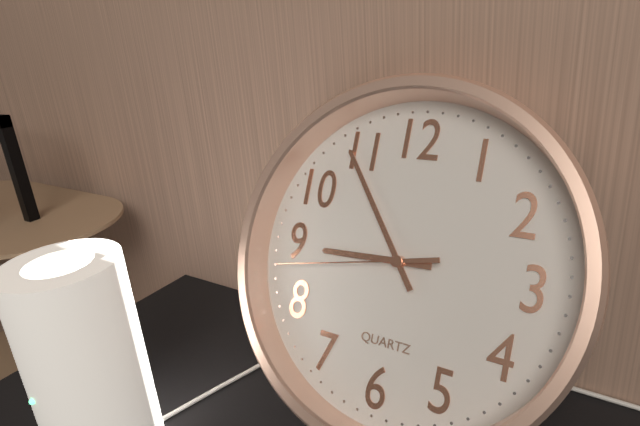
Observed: {"hour": 8, "minute": 54, "second": 43}
